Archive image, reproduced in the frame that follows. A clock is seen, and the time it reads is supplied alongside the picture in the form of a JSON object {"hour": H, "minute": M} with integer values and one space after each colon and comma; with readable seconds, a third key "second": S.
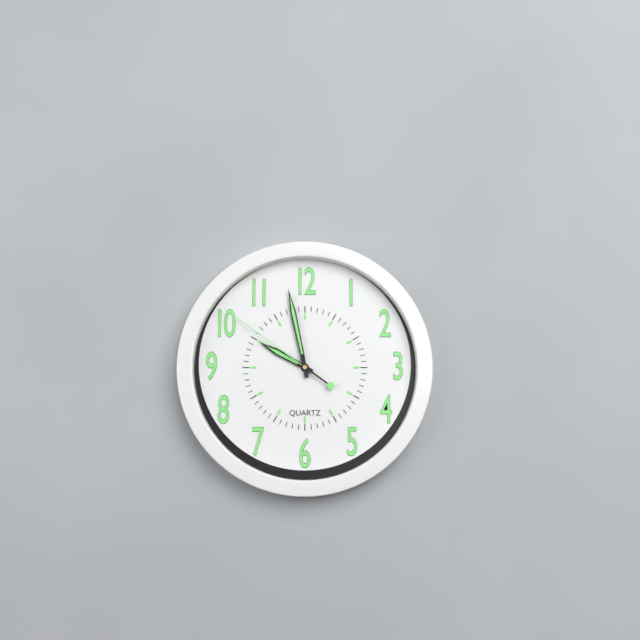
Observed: {"hour": 9, "minute": 58, "second": 51}
